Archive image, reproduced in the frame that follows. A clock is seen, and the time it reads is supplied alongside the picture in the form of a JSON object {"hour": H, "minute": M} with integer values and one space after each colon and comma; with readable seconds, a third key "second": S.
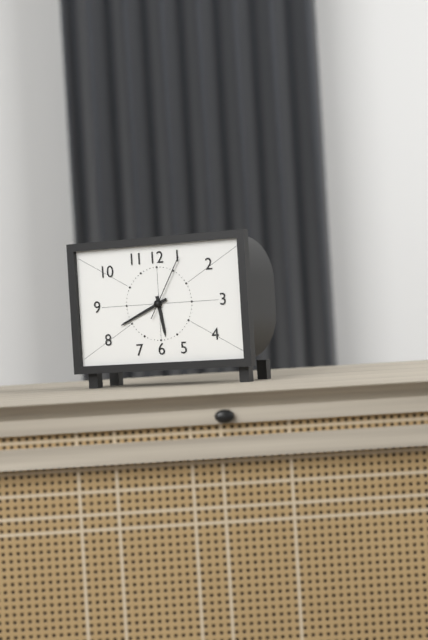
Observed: {"hour": 5, "minute": 41, "second": 5}
